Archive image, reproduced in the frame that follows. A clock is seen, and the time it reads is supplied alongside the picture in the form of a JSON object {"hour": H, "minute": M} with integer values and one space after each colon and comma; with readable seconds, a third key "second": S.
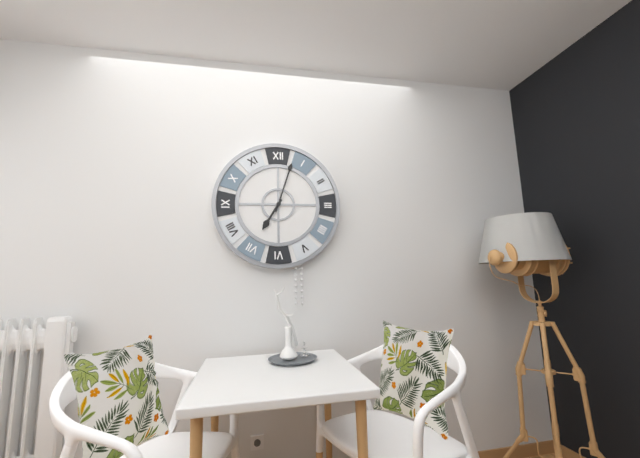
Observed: {"hour": 7, "minute": 3}
